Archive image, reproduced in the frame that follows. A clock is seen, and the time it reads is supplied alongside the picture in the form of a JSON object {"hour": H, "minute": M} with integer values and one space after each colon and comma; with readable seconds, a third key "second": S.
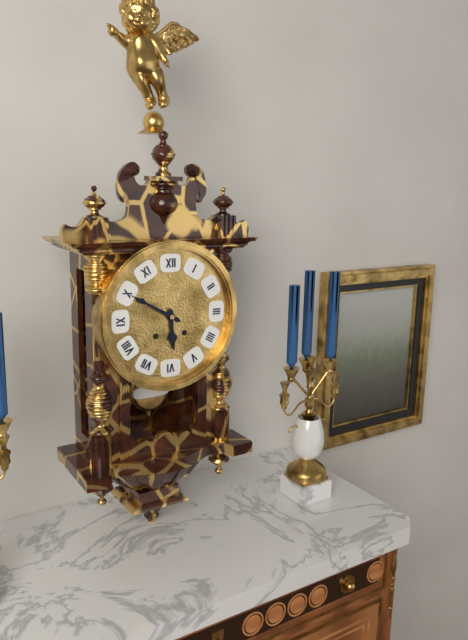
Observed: {"hour": 5, "minute": 50}
